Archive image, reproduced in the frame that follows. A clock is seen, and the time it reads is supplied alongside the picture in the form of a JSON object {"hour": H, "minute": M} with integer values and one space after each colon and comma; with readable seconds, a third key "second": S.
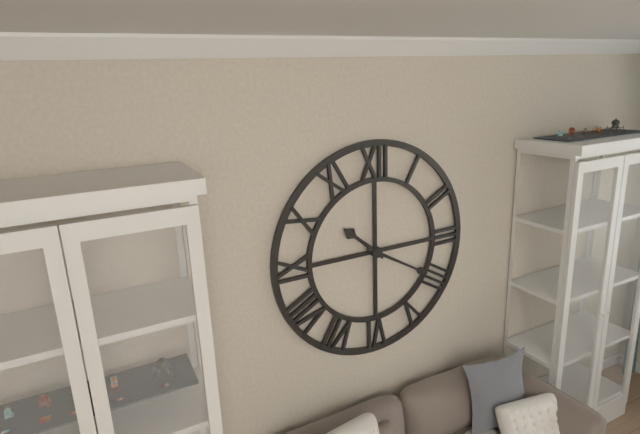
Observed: {"hour": 10, "minute": 20}
